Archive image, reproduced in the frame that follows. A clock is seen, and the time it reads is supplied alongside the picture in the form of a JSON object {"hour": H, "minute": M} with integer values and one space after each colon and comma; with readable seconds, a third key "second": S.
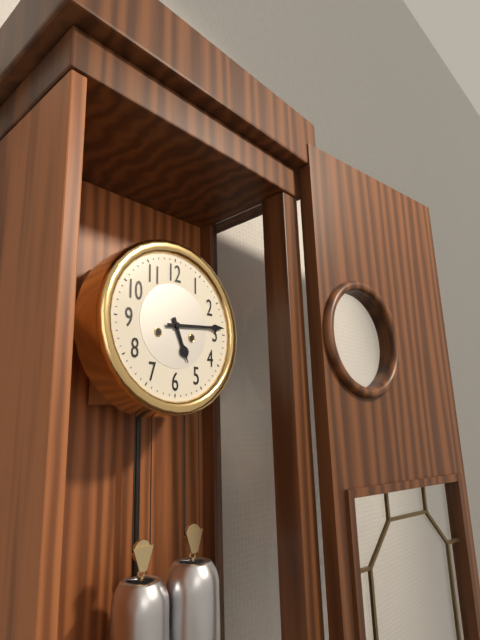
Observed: {"hour": 5, "minute": 14}
